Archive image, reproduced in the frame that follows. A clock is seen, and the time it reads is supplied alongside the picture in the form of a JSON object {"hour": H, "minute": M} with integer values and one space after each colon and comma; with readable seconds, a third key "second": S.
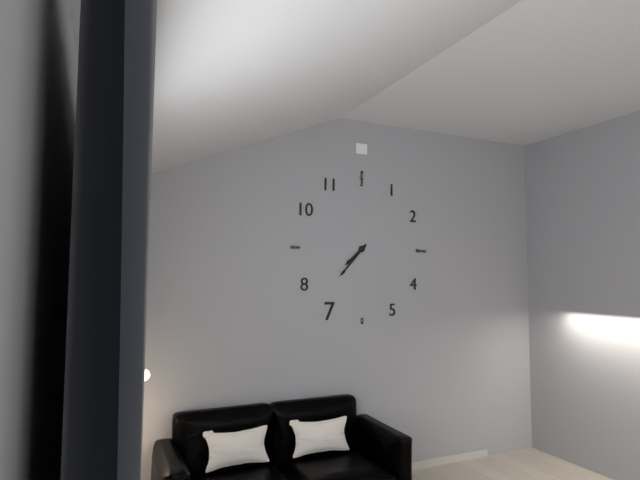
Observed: {"hour": 7, "minute": 37}
